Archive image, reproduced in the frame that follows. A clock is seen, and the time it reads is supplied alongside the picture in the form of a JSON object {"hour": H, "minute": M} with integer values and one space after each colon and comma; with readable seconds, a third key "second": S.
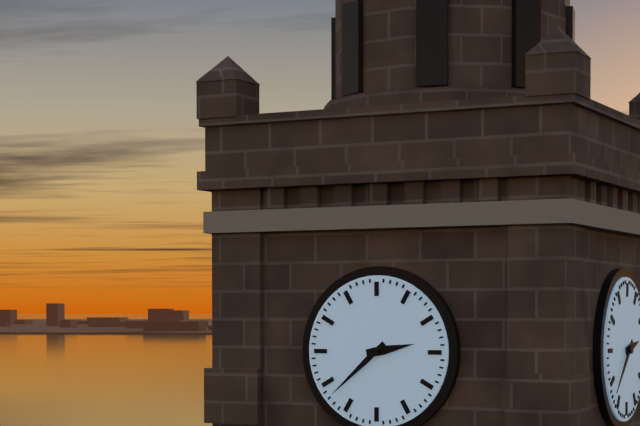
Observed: {"hour": 2, "minute": 38}
